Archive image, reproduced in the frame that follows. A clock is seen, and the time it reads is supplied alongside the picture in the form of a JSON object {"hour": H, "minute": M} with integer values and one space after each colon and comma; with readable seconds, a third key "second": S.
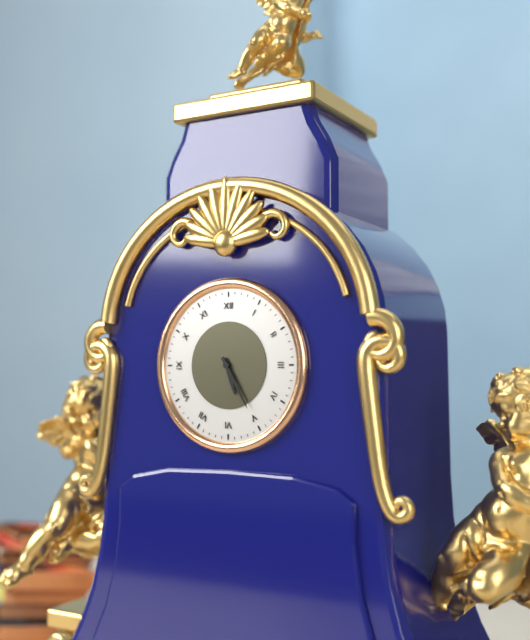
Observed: {"hour": 5, "minute": 25}
